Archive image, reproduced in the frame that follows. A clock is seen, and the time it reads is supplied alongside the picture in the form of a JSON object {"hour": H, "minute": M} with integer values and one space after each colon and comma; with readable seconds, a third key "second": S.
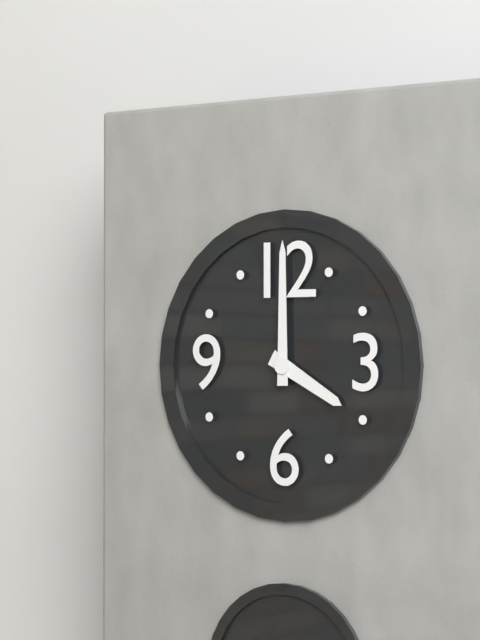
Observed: {"hour": 4, "minute": 0}
